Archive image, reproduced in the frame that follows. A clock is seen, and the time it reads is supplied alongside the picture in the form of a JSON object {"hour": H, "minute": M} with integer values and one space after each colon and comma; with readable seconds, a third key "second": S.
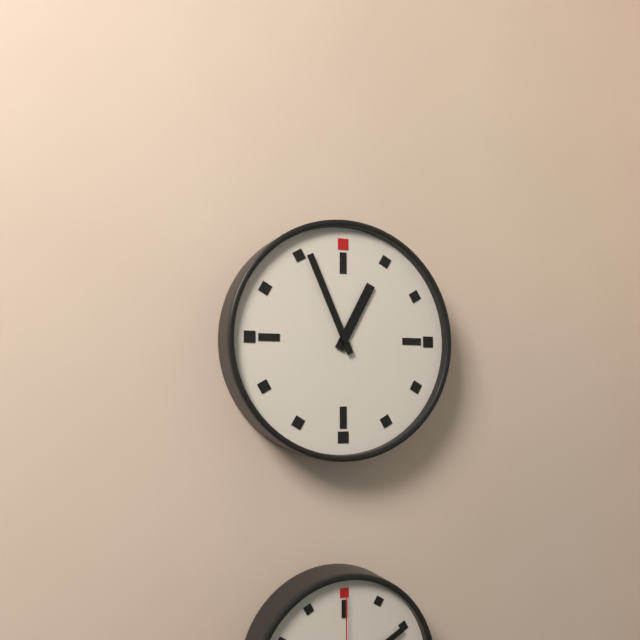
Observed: {"hour": 12, "minute": 56}
